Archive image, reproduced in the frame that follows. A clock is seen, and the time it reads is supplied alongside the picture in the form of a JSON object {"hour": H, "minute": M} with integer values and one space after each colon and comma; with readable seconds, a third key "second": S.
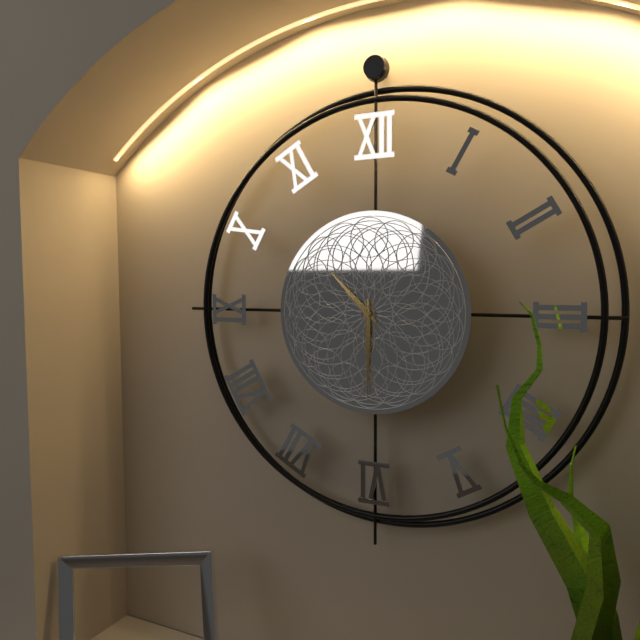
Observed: {"hour": 10, "minute": 30}
